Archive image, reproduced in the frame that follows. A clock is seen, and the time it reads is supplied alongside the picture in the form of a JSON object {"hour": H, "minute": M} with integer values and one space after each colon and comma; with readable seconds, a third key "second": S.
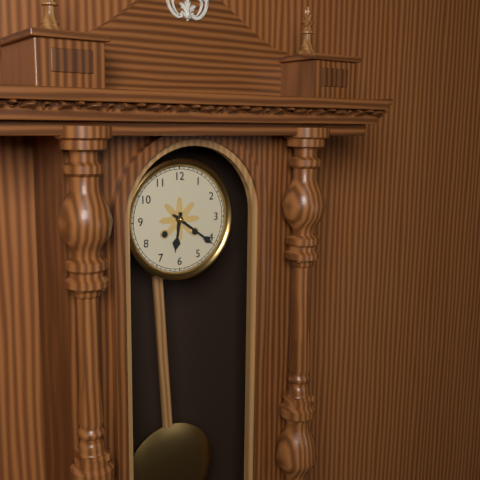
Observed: {"hour": 6, "minute": 21}
